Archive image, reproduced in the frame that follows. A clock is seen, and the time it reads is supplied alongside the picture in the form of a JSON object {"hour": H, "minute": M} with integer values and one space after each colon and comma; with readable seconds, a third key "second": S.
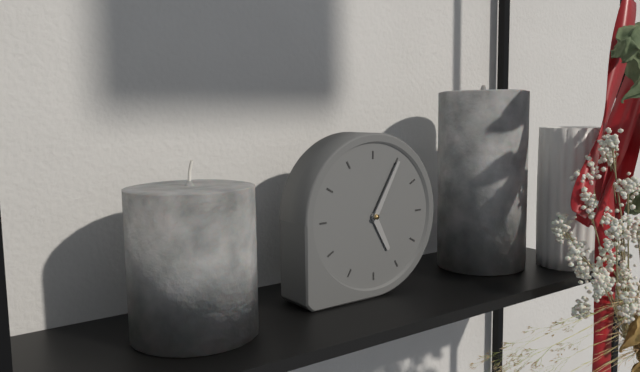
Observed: {"hour": 5, "minute": 5}
